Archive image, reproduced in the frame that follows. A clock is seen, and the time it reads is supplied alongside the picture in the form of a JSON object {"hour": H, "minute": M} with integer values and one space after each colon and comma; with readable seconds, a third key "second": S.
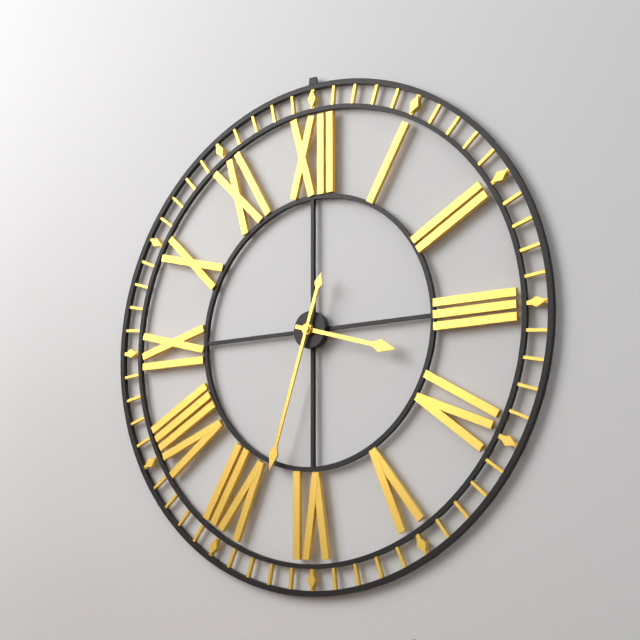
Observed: {"hour": 3, "minute": 33}
